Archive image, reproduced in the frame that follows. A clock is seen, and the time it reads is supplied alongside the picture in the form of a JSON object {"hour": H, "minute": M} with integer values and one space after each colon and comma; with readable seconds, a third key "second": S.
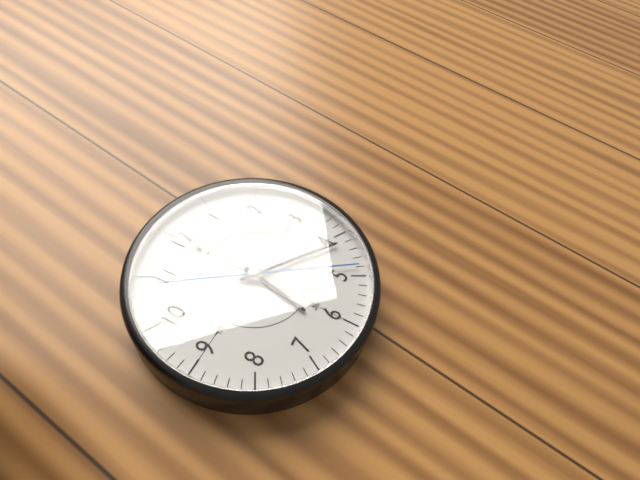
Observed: {"hour": 6, "minute": 21, "second": 24}
